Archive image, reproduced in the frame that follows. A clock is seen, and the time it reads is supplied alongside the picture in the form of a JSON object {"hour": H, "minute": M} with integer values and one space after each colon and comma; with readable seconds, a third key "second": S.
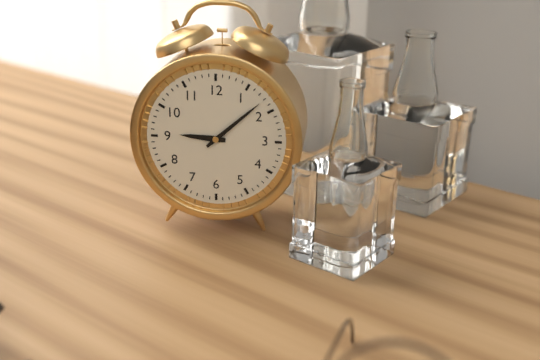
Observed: {"hour": 9, "minute": 8}
